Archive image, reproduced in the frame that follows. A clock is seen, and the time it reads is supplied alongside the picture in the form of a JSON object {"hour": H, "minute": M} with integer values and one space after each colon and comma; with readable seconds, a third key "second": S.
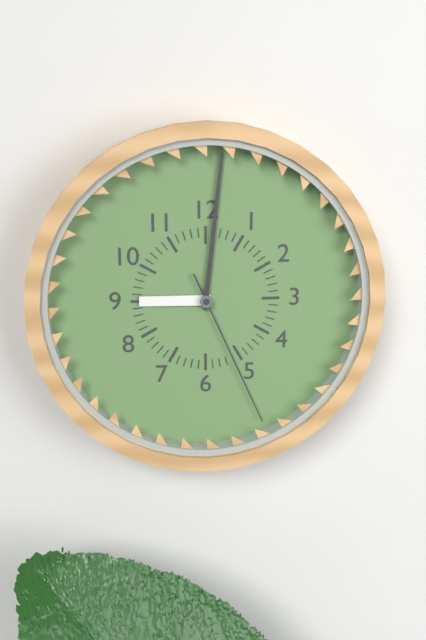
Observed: {"hour": 9, "minute": 1, "second": 26}
